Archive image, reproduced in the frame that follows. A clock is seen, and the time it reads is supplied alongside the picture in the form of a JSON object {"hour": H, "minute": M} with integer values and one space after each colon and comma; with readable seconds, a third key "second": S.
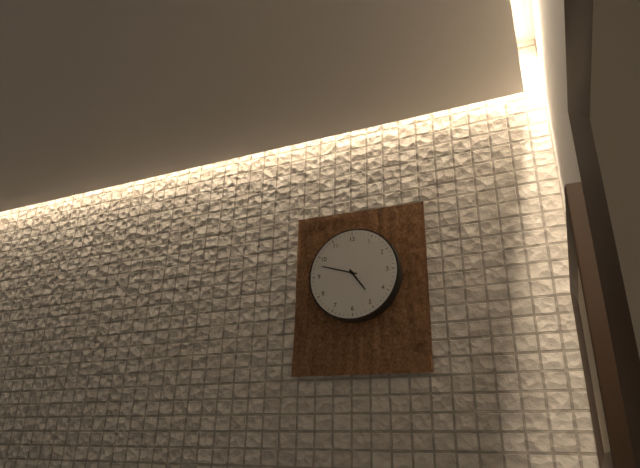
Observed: {"hour": 4, "minute": 48}
